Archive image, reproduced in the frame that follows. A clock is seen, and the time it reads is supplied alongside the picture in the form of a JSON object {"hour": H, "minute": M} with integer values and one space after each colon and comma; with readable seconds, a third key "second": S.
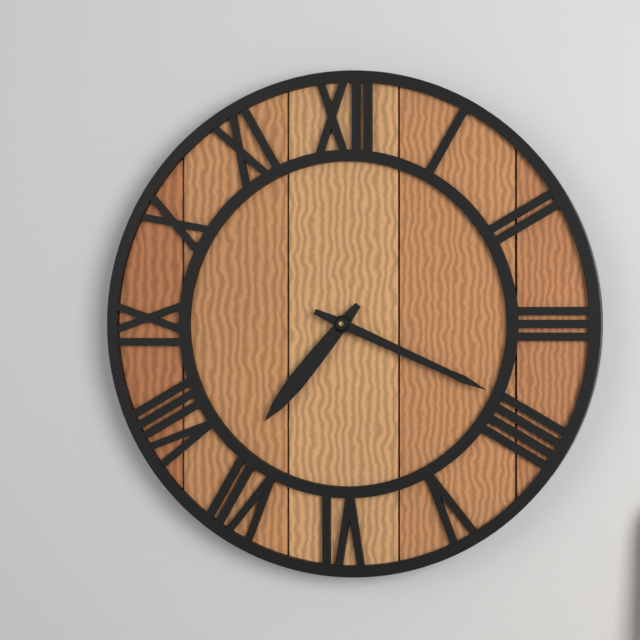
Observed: {"hour": 7, "minute": 19}
